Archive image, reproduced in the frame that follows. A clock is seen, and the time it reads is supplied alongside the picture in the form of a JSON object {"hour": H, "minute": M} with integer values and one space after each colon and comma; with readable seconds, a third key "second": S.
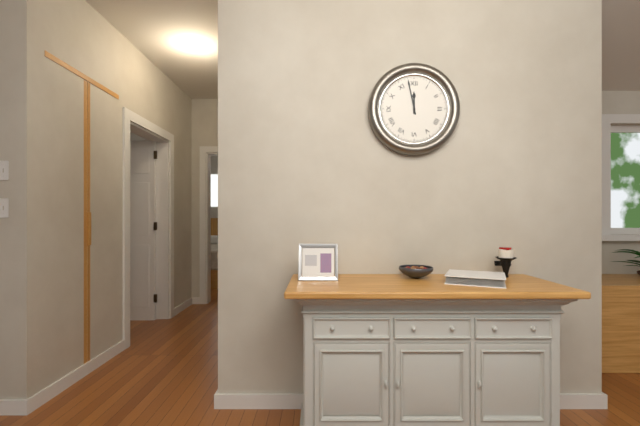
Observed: {"hour": 11, "minute": 58}
